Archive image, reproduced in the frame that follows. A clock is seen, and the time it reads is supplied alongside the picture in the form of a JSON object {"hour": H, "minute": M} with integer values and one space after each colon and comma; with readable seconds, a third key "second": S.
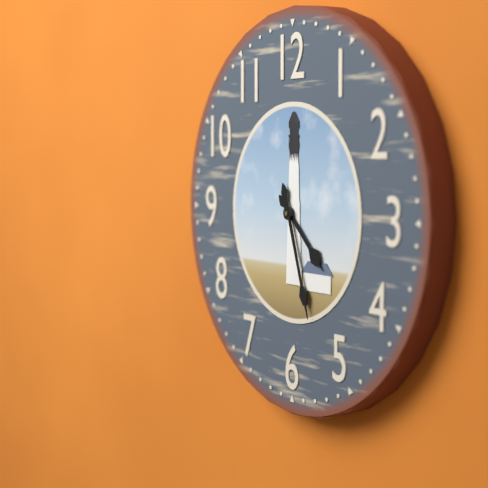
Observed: {"hour": 4, "minute": 27}
